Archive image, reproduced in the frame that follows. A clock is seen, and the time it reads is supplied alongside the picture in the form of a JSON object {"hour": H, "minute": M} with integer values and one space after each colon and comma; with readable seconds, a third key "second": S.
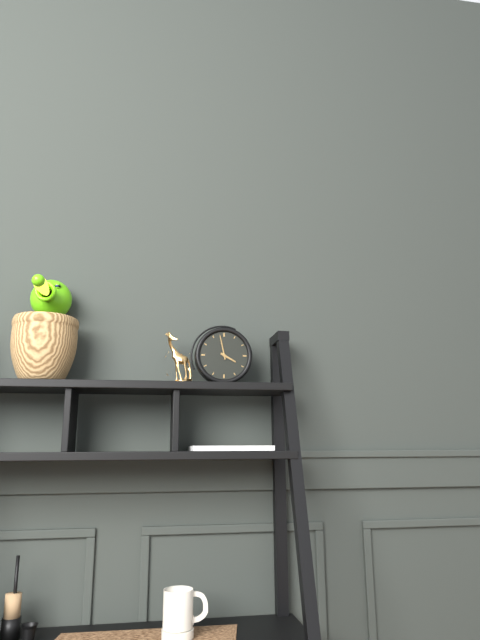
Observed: {"hour": 3, "minute": 58}
